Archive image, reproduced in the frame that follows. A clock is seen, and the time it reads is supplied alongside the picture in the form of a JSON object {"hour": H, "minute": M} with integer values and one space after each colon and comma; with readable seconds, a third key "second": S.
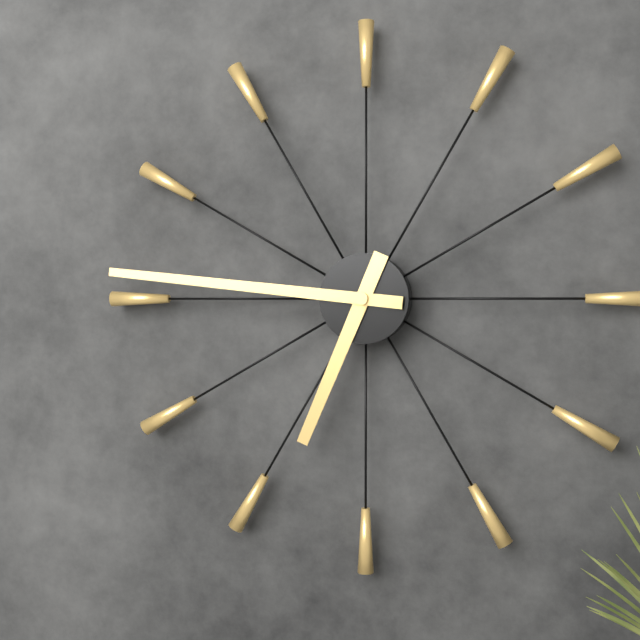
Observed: {"hour": 6, "minute": 46}
